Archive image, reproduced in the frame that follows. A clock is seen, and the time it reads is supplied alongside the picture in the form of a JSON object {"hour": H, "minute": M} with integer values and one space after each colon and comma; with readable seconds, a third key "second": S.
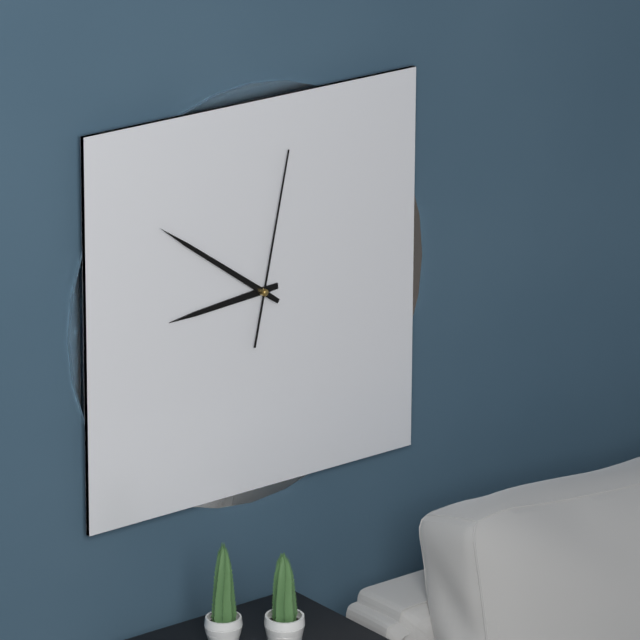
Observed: {"hour": 8, "minute": 51, "second": 2}
